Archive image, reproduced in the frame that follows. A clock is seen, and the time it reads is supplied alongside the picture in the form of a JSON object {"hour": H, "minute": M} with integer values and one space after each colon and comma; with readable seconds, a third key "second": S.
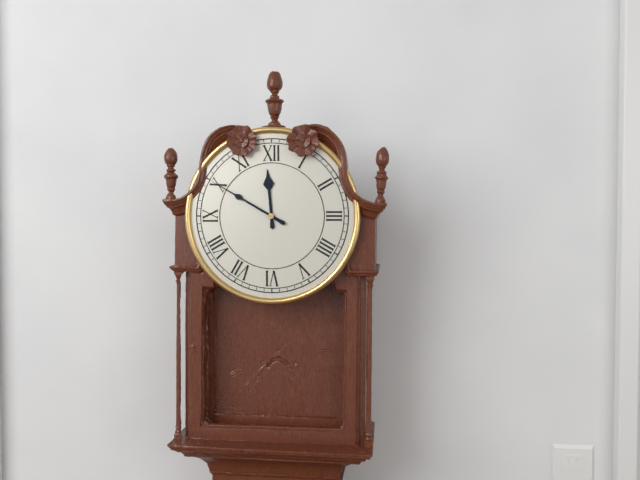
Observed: {"hour": 11, "minute": 50}
